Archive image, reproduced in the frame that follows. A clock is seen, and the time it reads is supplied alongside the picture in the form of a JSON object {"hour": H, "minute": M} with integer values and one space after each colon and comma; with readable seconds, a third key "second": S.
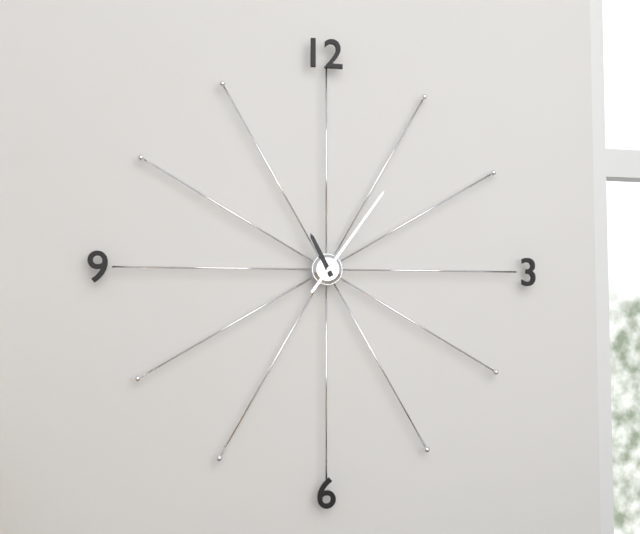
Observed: {"hour": 11, "minute": 6}
